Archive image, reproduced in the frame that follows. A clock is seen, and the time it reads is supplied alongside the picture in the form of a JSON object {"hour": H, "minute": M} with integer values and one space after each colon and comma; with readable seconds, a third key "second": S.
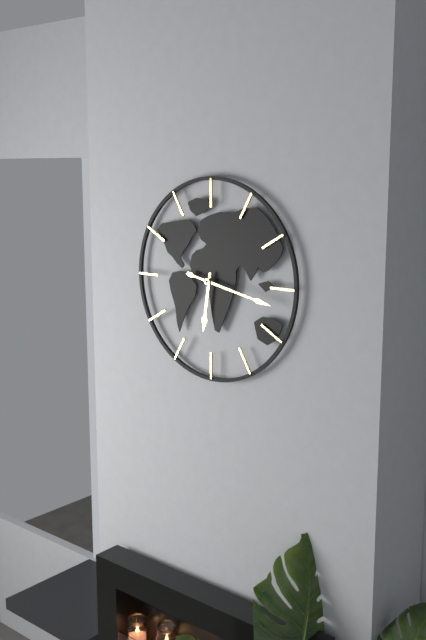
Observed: {"hour": 6, "minute": 17}
